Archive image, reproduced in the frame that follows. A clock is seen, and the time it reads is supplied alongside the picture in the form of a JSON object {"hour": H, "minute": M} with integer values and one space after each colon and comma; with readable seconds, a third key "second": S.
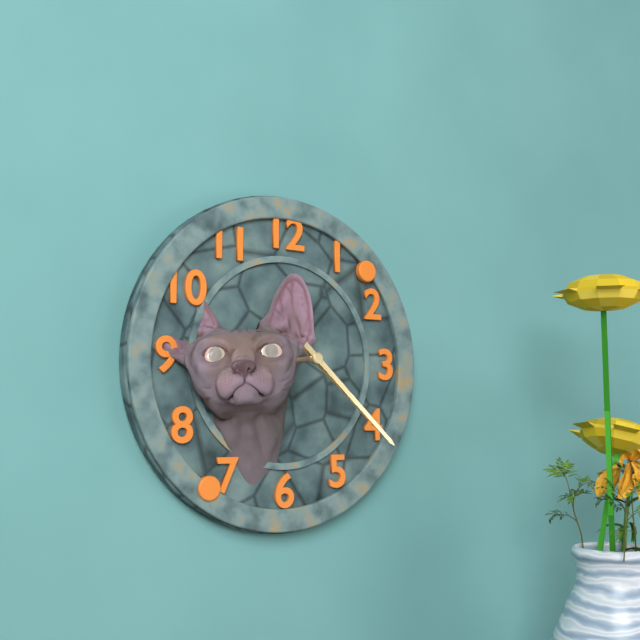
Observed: {"hour": 4, "minute": 22}
